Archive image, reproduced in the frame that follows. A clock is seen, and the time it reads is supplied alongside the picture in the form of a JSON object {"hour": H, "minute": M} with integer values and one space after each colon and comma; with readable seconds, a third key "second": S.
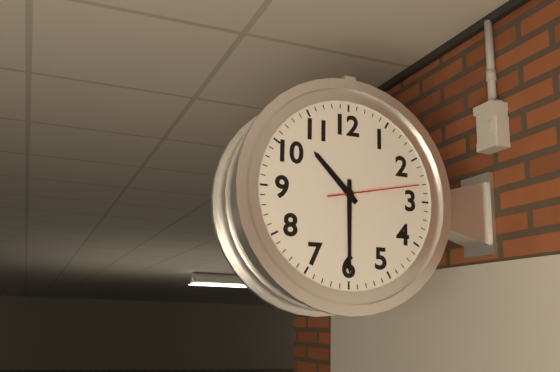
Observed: {"hour": 10, "minute": 30, "second": 13}
